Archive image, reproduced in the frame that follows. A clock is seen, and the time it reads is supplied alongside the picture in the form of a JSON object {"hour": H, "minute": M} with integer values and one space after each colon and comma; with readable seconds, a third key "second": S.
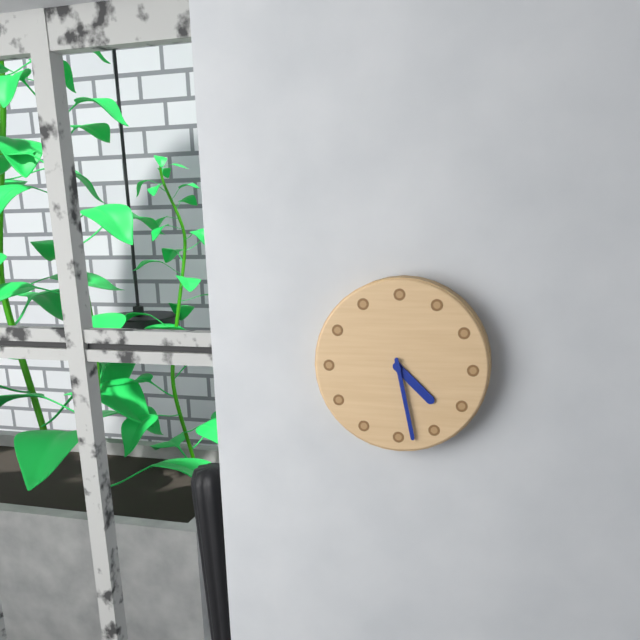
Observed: {"hour": 4, "minute": 28}
